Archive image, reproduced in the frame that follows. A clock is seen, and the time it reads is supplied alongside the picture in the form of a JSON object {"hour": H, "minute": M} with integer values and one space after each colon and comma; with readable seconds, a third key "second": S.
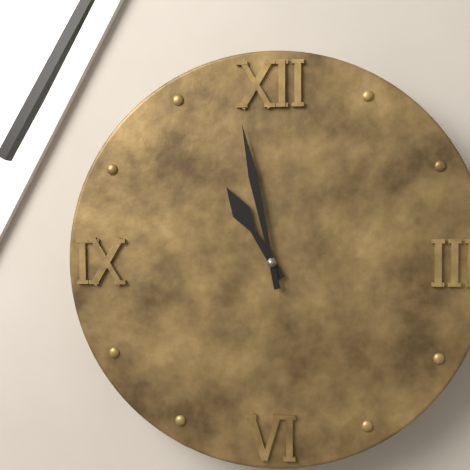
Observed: {"hour": 10, "minute": 58}
